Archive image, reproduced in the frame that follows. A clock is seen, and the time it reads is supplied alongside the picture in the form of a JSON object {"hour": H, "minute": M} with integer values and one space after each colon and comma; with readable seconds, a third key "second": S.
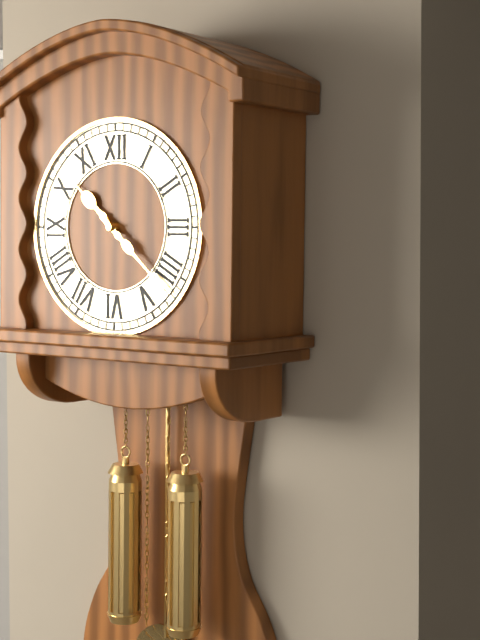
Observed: {"hour": 10, "minute": 22}
